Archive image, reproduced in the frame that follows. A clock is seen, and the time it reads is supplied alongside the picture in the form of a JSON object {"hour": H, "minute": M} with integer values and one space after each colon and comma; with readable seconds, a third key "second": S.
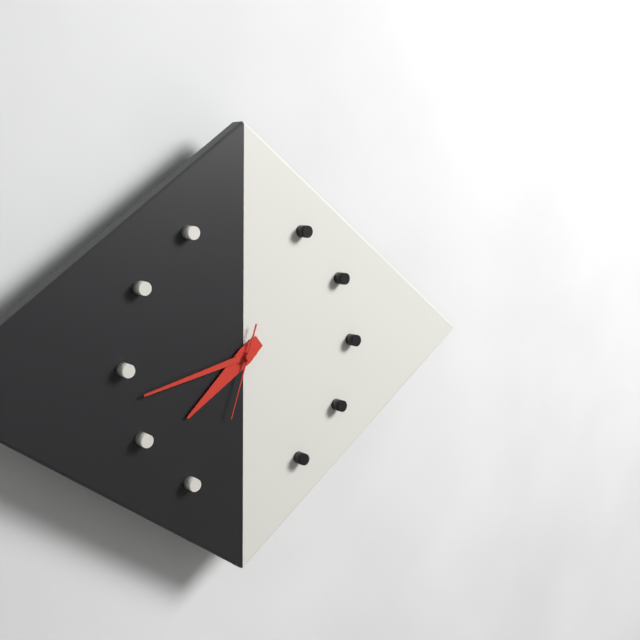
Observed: {"hour": 7, "minute": 43, "second": 33}
